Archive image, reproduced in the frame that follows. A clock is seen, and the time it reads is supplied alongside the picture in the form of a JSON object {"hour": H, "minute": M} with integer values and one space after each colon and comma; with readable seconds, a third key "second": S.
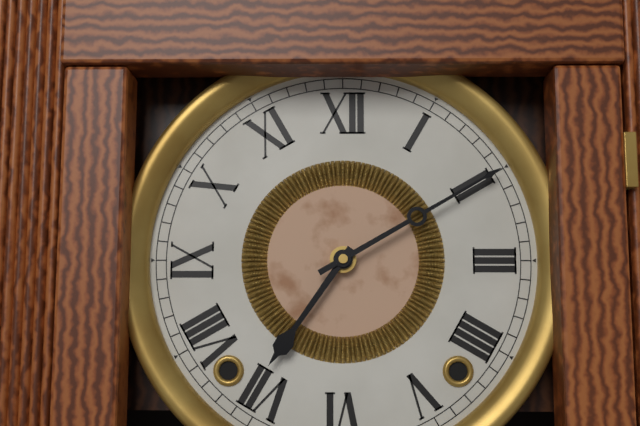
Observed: {"hour": 7, "minute": 10}
